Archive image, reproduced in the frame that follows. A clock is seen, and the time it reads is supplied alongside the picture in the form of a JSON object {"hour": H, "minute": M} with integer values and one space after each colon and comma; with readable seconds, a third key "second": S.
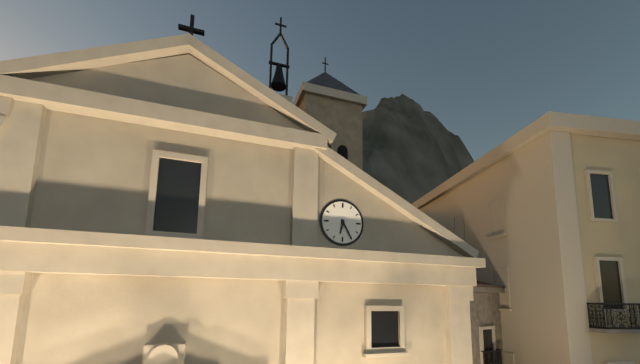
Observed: {"hour": 6, "minute": 25}
